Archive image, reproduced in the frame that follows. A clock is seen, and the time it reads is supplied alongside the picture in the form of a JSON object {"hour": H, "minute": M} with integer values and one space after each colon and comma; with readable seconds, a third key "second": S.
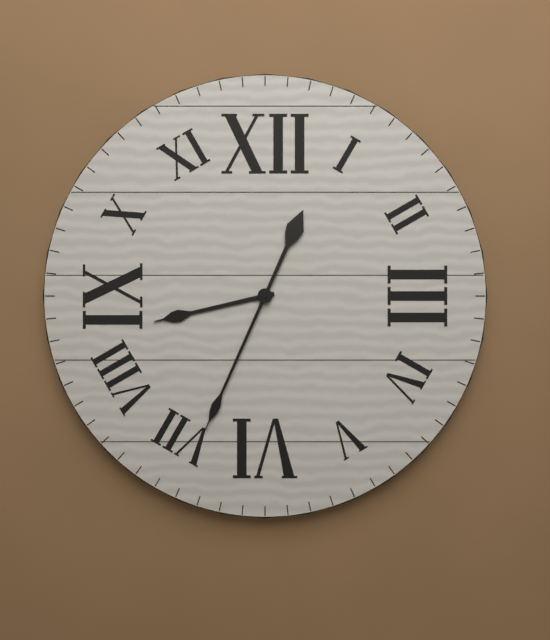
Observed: {"hour": 8, "minute": 34}
